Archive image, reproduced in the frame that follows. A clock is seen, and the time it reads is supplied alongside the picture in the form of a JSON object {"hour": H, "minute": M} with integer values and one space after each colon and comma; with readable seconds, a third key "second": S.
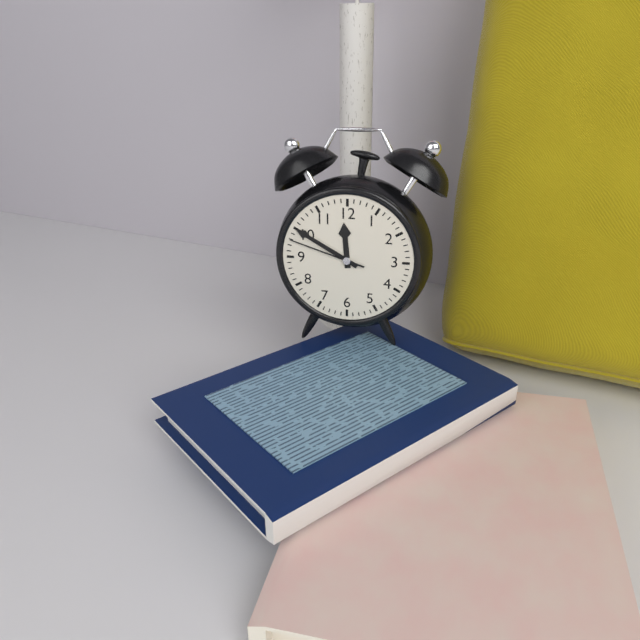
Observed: {"hour": 11, "minute": 50, "second": 48}
